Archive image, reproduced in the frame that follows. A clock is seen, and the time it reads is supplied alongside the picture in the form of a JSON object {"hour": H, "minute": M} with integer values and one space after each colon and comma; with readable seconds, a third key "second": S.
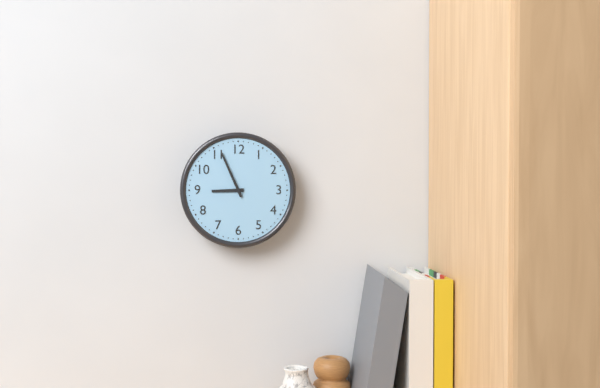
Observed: {"hour": 8, "minute": 56}
